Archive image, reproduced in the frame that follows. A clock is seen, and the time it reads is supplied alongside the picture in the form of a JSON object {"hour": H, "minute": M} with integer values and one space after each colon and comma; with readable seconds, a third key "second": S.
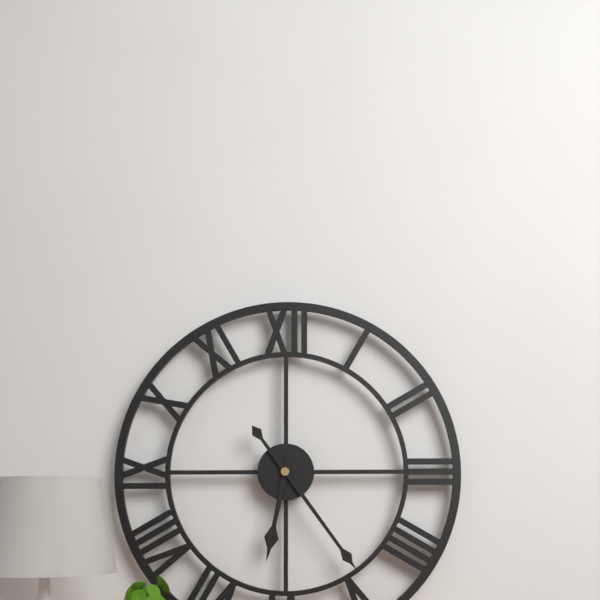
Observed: {"hour": 6, "minute": 24}
